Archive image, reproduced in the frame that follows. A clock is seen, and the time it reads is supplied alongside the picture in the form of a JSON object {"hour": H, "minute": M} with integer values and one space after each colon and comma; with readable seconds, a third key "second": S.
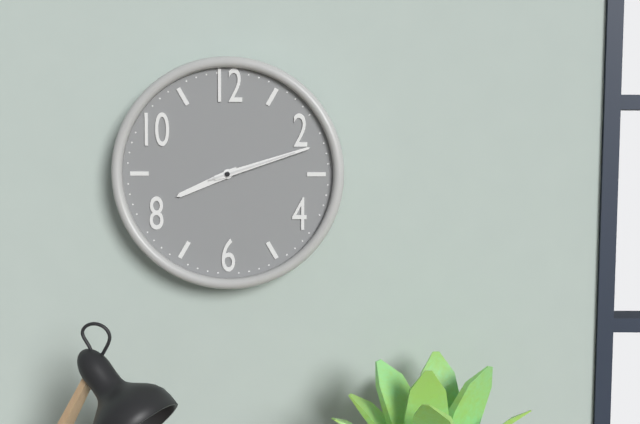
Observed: {"hour": 8, "minute": 12, "second": 12}
